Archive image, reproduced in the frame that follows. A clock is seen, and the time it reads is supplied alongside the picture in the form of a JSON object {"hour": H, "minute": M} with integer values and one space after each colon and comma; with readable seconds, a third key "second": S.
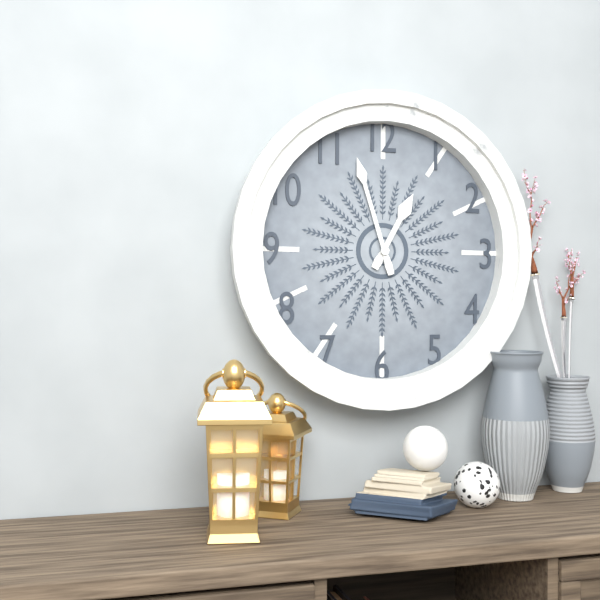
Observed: {"hour": 12, "minute": 57}
